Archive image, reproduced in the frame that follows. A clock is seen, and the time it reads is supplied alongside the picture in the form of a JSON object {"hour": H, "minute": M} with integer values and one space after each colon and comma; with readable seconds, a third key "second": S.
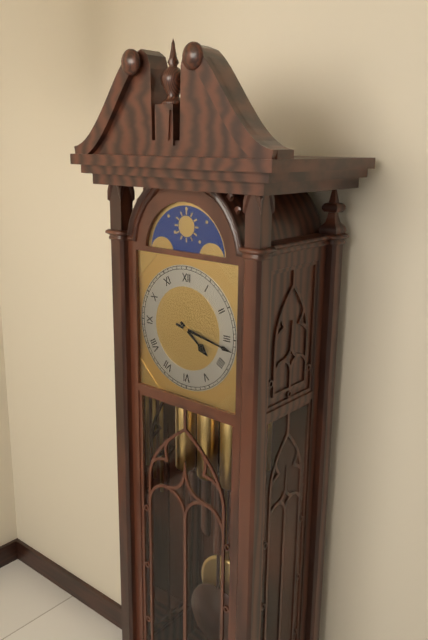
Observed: {"hour": 4, "minute": 17}
